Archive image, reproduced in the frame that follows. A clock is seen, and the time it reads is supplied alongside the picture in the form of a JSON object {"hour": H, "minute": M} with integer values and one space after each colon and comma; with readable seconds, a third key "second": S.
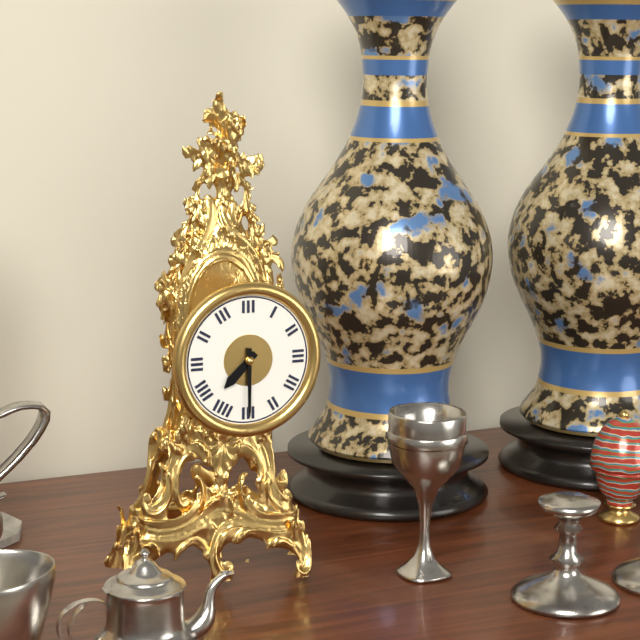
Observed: {"hour": 7, "minute": 30}
